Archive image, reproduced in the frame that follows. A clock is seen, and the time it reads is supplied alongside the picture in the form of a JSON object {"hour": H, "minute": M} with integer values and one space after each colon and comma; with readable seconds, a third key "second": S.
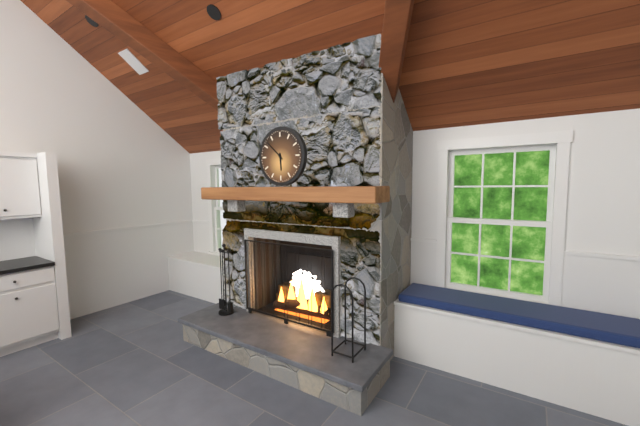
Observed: {"hour": 5, "minute": 52}
